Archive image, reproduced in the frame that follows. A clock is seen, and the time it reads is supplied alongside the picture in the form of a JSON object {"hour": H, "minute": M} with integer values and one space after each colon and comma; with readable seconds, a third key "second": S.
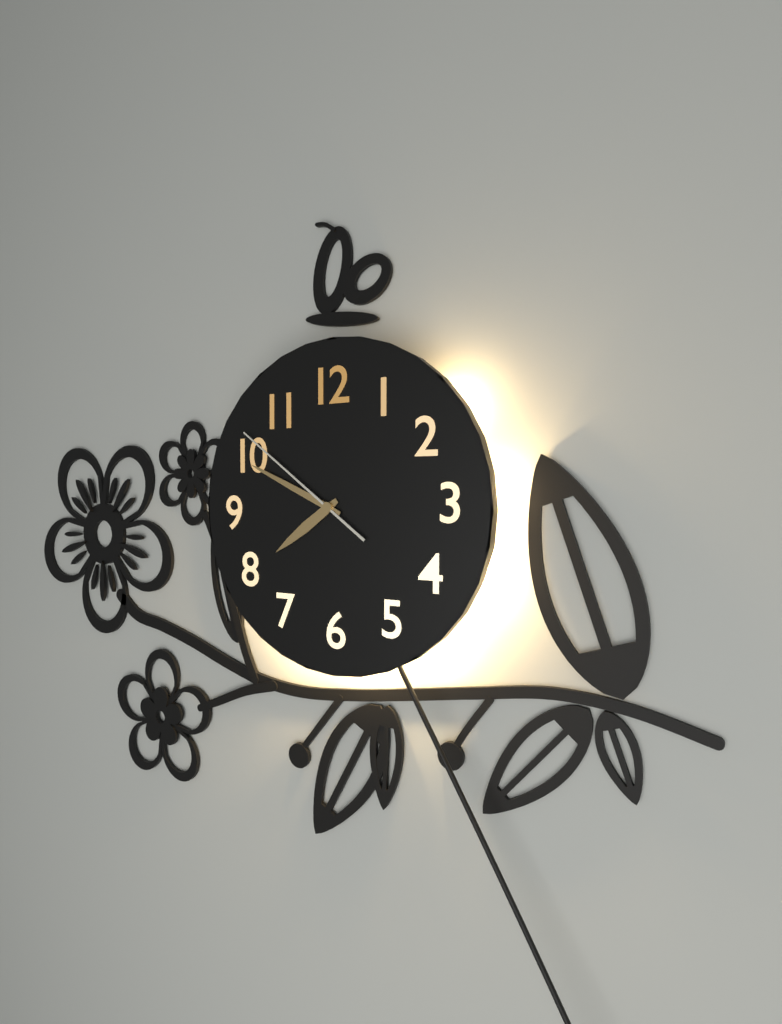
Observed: {"hour": 7, "minute": 49, "second": 51}
